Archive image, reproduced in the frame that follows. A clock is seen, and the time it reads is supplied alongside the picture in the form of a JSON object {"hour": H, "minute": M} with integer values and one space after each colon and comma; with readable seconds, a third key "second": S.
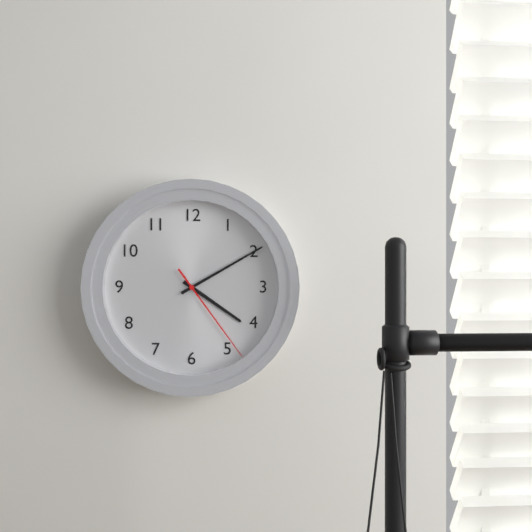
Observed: {"hour": 4, "minute": 10, "second": 24}
